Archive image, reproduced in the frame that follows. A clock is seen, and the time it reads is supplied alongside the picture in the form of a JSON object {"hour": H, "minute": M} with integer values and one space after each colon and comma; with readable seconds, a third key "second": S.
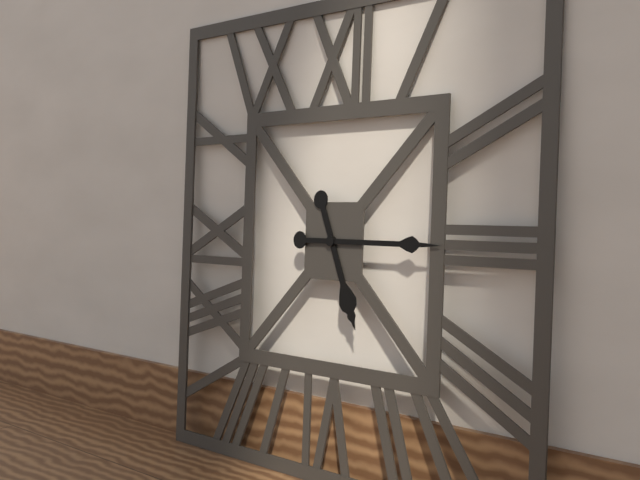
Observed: {"hour": 5, "minute": 15}
